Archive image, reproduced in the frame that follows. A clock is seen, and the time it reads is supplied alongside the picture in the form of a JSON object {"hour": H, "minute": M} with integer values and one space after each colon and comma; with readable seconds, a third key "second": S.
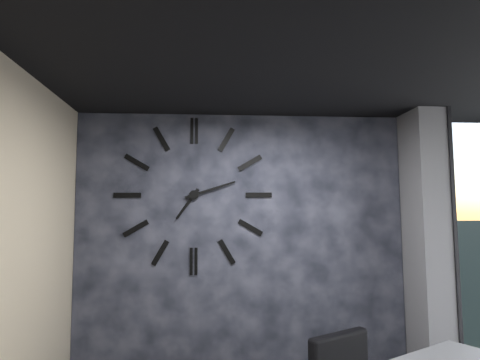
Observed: {"hour": 7, "minute": 12}
